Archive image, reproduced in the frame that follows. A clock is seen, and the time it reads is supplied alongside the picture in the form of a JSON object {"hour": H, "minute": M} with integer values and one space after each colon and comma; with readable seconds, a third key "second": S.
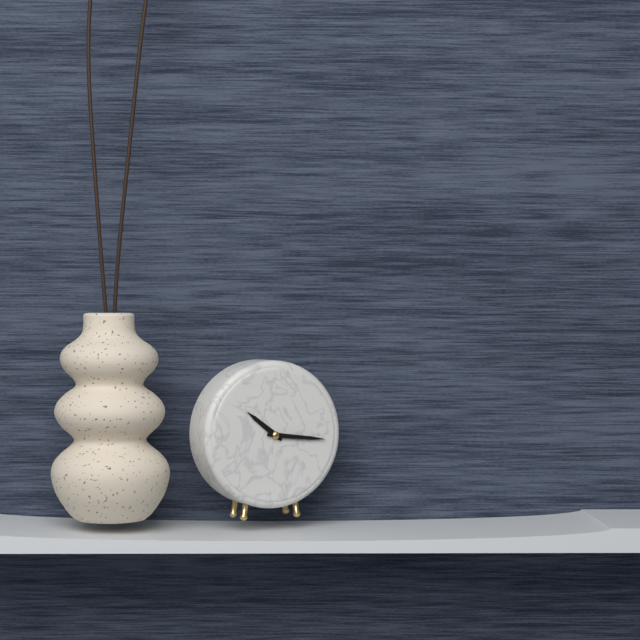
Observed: {"hour": 10, "minute": 16}
